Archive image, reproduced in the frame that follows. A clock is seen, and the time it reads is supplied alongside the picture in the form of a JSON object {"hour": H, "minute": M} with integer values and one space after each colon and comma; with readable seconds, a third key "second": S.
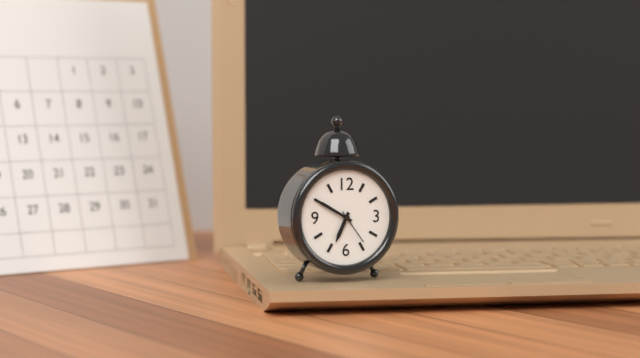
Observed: {"hour": 6, "minute": 50}
